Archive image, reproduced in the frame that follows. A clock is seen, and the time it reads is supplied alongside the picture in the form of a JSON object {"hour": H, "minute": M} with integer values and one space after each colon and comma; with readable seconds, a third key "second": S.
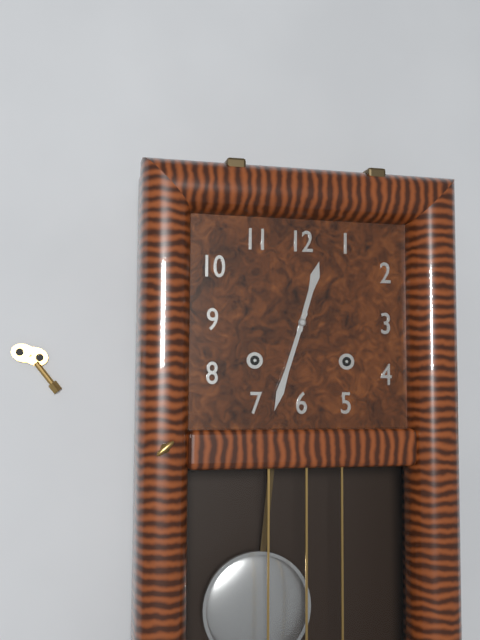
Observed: {"hour": 12, "minute": 33}
